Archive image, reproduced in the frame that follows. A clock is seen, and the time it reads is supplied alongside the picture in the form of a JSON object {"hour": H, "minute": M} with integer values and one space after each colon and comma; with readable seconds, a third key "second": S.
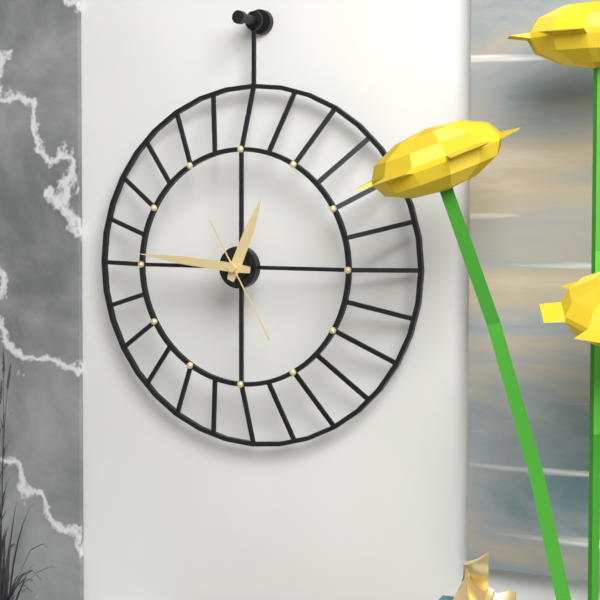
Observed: {"hour": 12, "minute": 46, "second": 25}
